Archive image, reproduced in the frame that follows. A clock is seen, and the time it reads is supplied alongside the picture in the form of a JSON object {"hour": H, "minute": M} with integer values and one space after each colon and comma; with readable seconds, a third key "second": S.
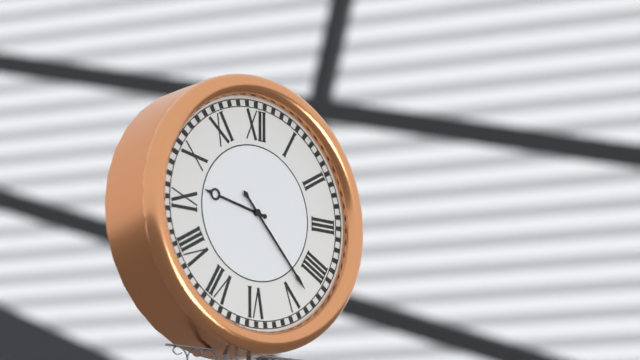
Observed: {"hour": 9, "minute": 23}
